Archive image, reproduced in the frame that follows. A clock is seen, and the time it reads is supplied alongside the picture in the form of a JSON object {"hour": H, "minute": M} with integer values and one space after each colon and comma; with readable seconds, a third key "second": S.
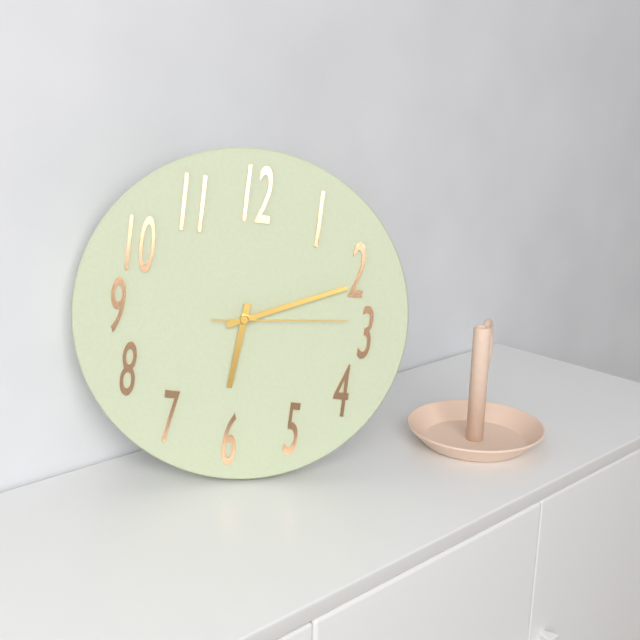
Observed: {"hour": 6, "minute": 11, "second": 14}
